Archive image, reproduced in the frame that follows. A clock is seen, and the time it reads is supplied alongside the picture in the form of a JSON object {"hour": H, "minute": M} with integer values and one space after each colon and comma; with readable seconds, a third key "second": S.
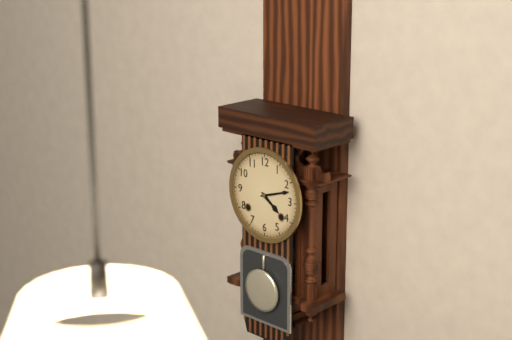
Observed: {"hour": 4, "minute": 12}
